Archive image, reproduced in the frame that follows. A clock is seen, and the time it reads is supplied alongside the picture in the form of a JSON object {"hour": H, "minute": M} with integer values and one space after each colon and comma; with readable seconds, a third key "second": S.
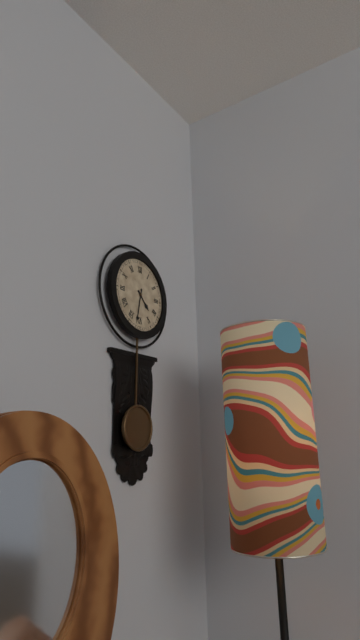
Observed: {"hour": 4, "minute": 32}
